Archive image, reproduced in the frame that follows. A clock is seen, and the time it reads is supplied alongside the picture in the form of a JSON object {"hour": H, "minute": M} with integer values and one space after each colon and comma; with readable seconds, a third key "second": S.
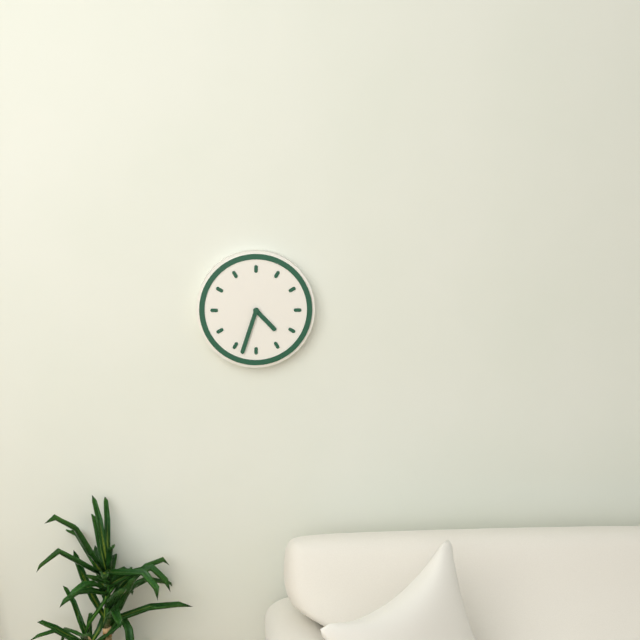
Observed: {"hour": 4, "minute": 33}
